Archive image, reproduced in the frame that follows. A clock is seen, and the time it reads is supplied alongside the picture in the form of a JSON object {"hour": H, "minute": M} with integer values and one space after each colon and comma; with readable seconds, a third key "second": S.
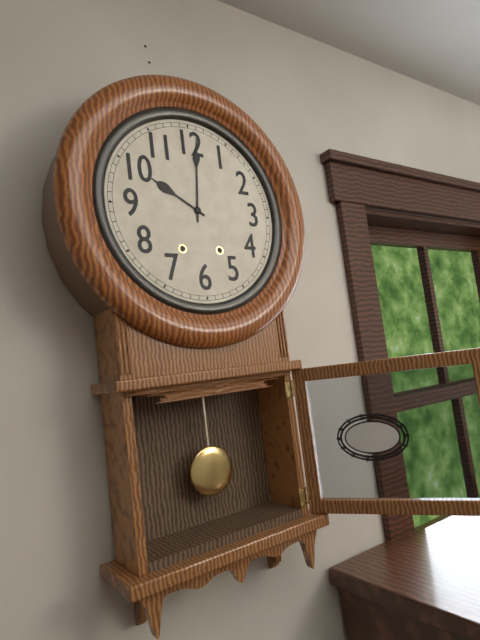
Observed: {"hour": 10, "minute": 1}
